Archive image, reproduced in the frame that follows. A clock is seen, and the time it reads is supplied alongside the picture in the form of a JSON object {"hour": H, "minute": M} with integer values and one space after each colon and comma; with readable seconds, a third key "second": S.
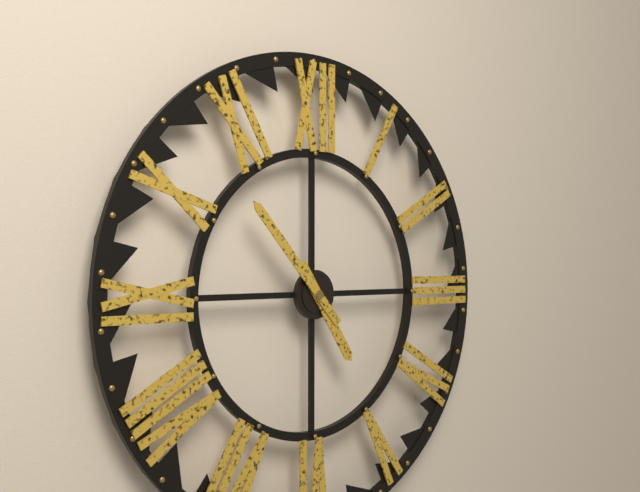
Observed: {"hour": 4, "minute": 53}
